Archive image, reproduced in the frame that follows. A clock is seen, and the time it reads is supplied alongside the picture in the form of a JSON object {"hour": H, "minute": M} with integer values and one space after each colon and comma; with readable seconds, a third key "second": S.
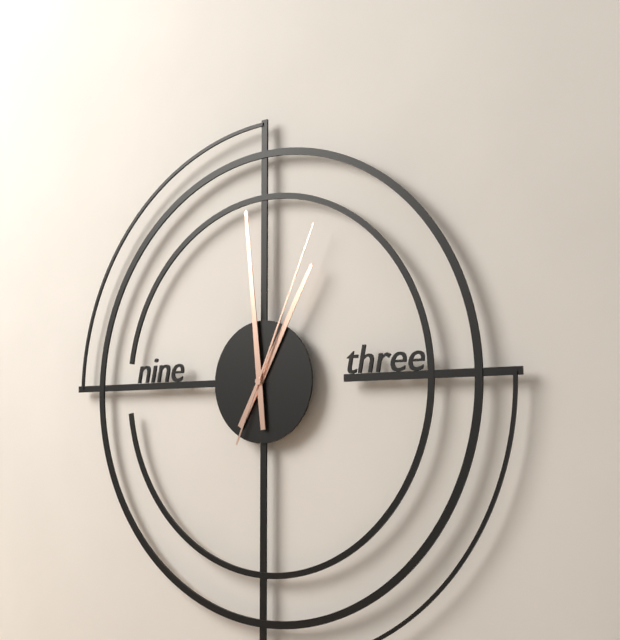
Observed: {"hour": 12, "minute": 59, "second": 4}
